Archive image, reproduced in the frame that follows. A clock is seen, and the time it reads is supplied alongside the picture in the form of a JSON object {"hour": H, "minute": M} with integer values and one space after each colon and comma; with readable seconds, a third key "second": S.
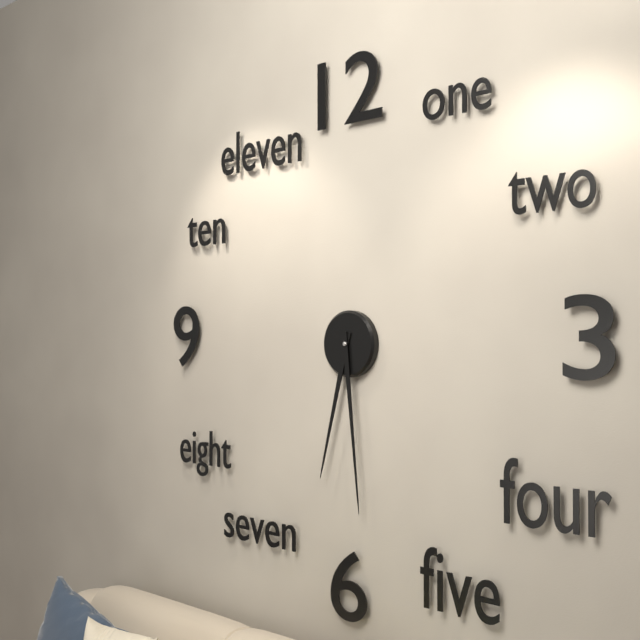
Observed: {"hour": 6, "minute": 29}
